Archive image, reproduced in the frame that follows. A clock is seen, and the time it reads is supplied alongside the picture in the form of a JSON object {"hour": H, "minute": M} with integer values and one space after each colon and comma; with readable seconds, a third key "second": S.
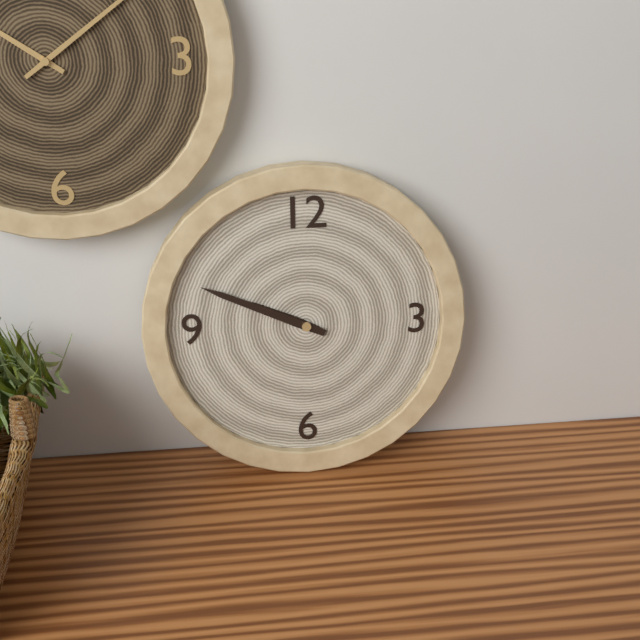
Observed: {"hour": 9, "minute": 49}
